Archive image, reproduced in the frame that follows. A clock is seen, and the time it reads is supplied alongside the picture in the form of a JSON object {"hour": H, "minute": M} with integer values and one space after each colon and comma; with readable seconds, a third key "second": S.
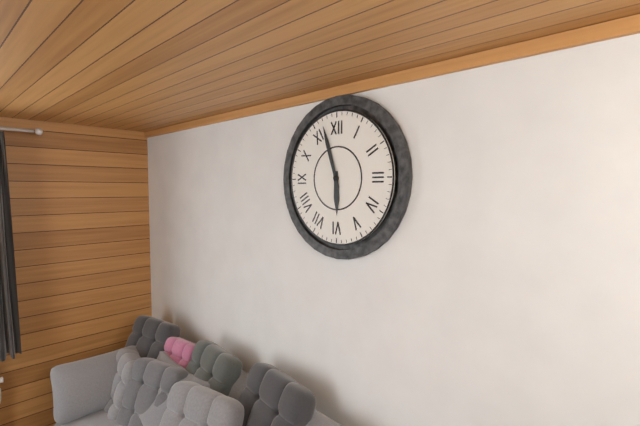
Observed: {"hour": 5, "minute": 57}
